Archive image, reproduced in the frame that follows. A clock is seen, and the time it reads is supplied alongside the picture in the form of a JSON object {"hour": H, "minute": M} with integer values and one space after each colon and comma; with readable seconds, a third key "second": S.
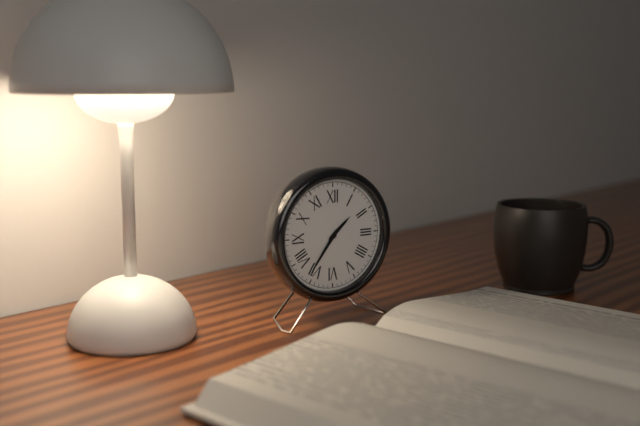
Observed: {"hour": 1, "minute": 36}
